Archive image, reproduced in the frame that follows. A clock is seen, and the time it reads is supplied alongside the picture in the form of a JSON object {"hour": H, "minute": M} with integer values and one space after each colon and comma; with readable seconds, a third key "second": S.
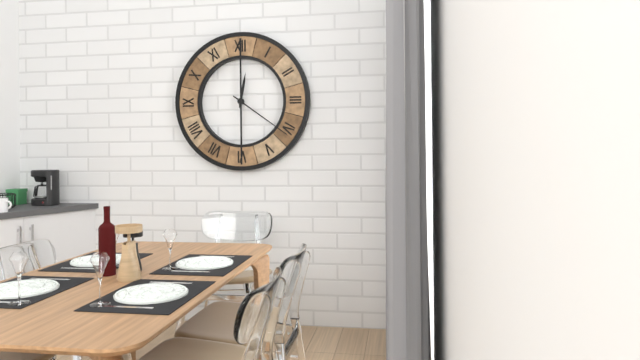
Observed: {"hour": 12, "minute": 21}
